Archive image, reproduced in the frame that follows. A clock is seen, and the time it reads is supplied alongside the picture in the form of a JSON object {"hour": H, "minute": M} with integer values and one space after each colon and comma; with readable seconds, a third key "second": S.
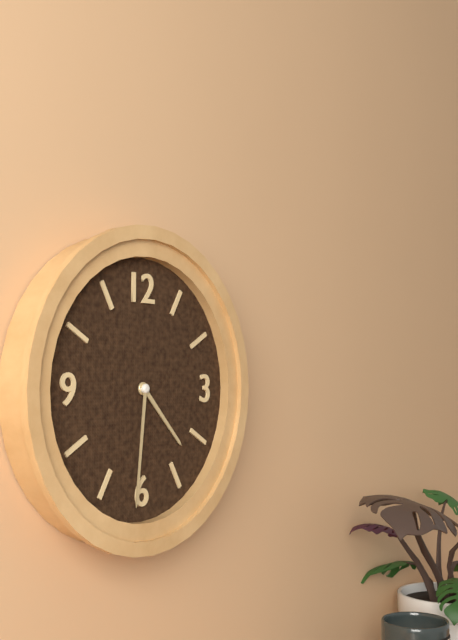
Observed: {"hour": 4, "minute": 31}
